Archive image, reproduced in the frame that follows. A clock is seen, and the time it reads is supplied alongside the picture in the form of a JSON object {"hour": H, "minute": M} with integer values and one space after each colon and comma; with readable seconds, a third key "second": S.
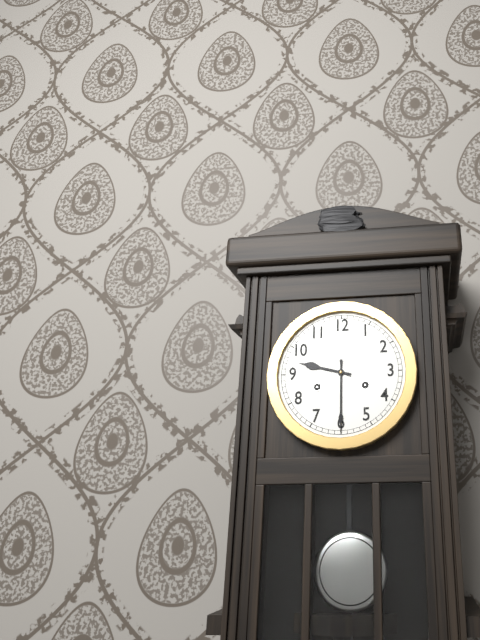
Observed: {"hour": 9, "minute": 30}
